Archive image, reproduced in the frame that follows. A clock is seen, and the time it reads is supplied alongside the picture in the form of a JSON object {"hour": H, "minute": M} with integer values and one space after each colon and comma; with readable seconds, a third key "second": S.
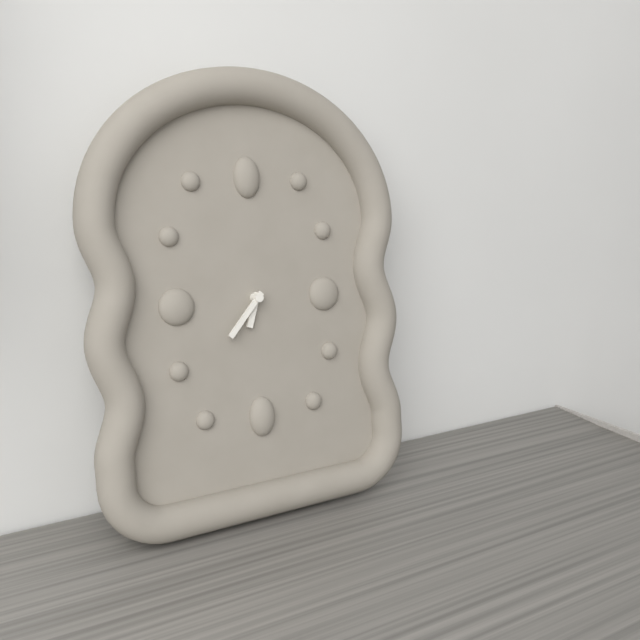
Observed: {"hour": 6, "minute": 37}
